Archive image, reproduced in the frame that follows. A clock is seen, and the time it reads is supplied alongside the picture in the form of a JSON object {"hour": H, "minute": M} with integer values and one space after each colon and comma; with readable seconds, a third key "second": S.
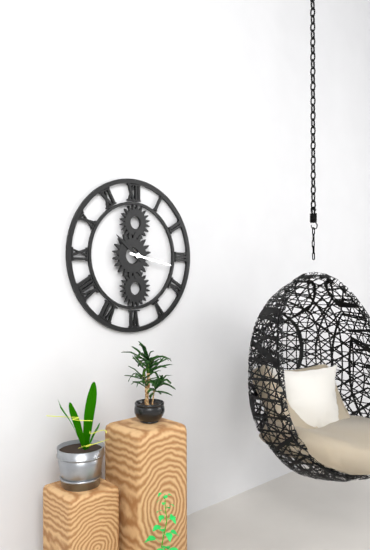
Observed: {"hour": 10, "minute": 17}
